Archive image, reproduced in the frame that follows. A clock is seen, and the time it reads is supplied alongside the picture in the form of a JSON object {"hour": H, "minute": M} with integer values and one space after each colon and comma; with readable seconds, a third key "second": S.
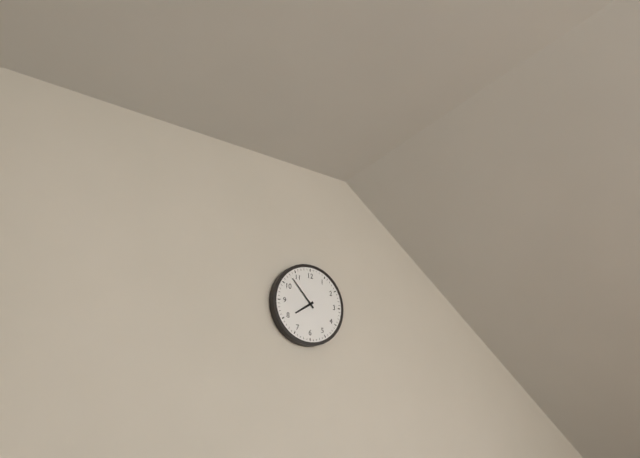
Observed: {"hour": 7, "minute": 53}
